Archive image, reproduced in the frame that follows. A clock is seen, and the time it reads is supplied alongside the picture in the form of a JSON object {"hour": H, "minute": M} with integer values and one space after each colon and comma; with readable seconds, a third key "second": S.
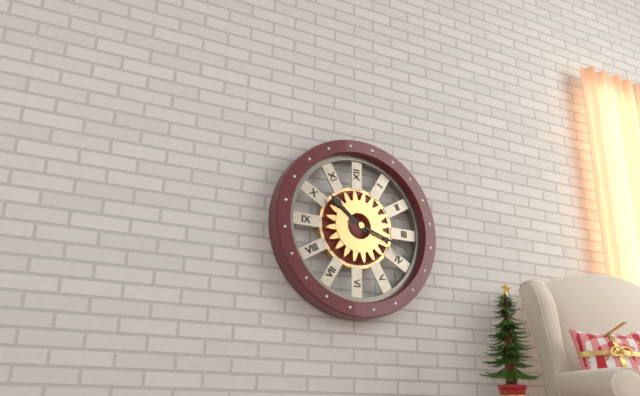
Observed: {"hour": 10, "minute": 18}
